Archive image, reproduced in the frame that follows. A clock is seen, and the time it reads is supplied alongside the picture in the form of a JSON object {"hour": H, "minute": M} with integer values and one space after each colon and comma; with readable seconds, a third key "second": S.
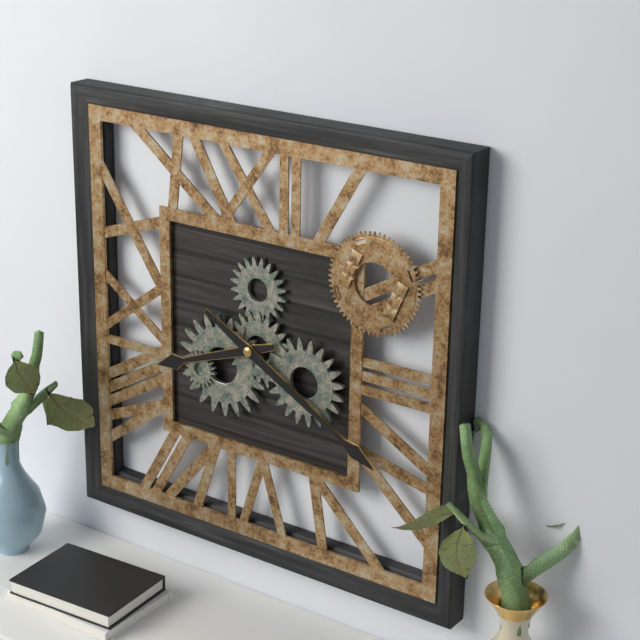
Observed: {"hour": 8, "minute": 20}
